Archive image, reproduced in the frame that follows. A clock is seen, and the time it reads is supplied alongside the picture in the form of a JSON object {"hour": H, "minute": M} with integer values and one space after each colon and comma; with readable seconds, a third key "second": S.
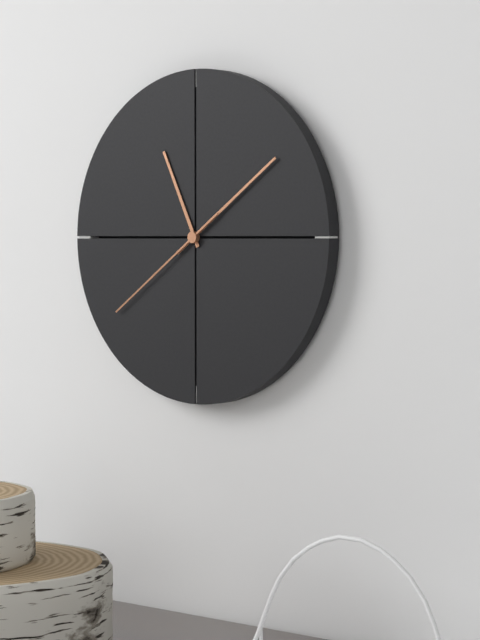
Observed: {"hour": 11, "minute": 9, "second": 39}
